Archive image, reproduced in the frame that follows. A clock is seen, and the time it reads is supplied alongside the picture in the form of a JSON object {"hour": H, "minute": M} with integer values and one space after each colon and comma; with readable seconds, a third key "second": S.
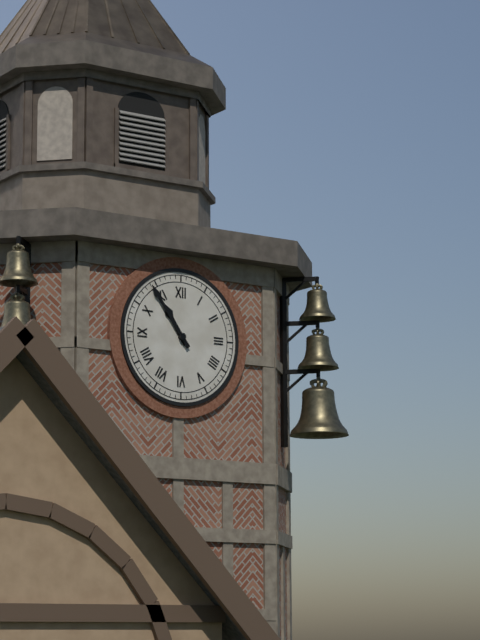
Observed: {"hour": 10, "minute": 54}
